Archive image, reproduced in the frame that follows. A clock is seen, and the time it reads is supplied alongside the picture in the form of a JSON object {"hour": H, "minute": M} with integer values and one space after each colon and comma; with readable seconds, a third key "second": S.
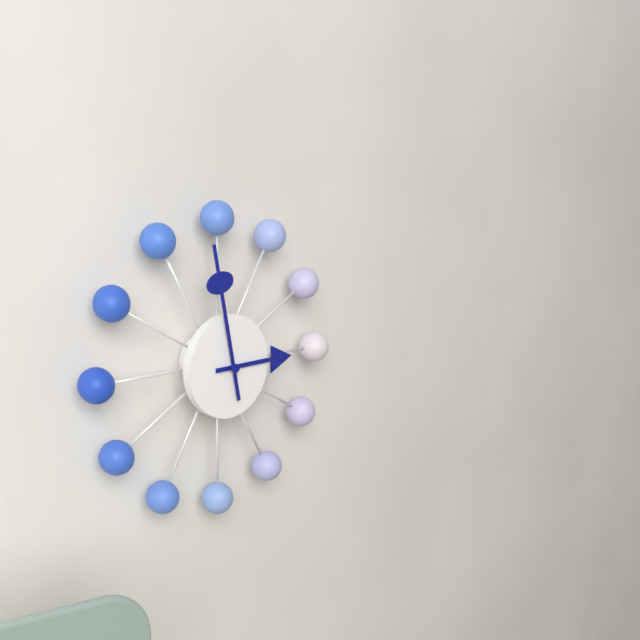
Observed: {"hour": 2, "minute": 58}
